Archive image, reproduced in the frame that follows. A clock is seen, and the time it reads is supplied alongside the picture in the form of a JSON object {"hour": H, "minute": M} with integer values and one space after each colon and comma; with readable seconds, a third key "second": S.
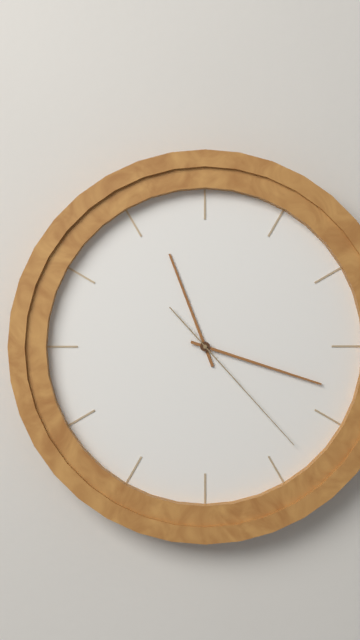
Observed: {"hour": 11, "minute": 18, "second": 23}
